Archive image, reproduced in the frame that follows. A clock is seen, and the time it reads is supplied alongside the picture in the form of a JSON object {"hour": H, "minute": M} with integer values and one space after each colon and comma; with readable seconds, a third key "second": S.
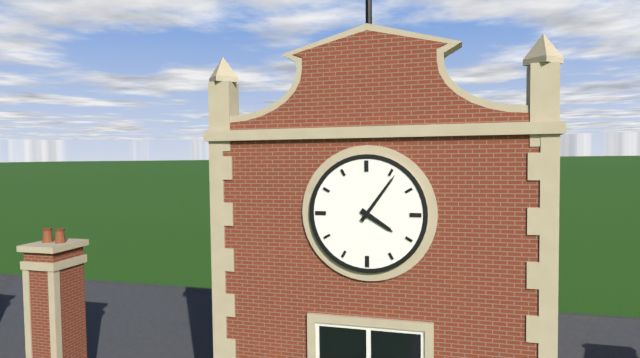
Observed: {"hour": 4, "minute": 6}
